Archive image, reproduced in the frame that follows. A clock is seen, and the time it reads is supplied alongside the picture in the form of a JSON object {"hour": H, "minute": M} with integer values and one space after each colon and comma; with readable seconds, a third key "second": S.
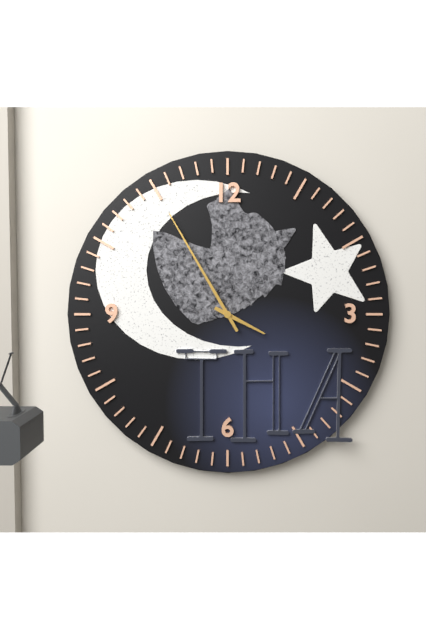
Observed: {"hour": 3, "minute": 55}
